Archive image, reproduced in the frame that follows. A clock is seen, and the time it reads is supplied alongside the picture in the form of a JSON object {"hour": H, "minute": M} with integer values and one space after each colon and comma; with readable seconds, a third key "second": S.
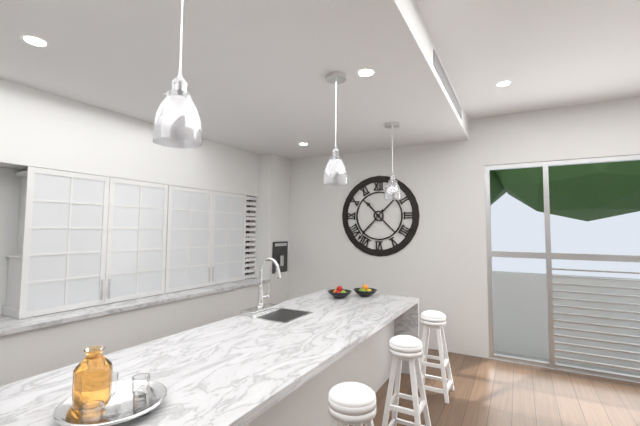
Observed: {"hour": 10, "minute": 37}
